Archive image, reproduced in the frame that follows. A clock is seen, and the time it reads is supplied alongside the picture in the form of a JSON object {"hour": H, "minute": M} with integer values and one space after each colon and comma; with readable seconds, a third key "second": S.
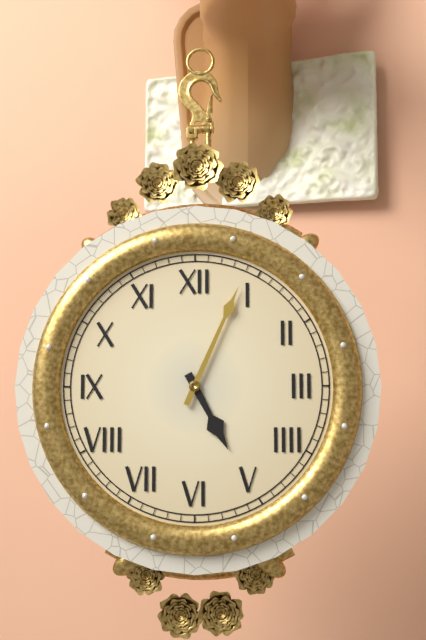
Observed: {"hour": 5, "minute": 4}
